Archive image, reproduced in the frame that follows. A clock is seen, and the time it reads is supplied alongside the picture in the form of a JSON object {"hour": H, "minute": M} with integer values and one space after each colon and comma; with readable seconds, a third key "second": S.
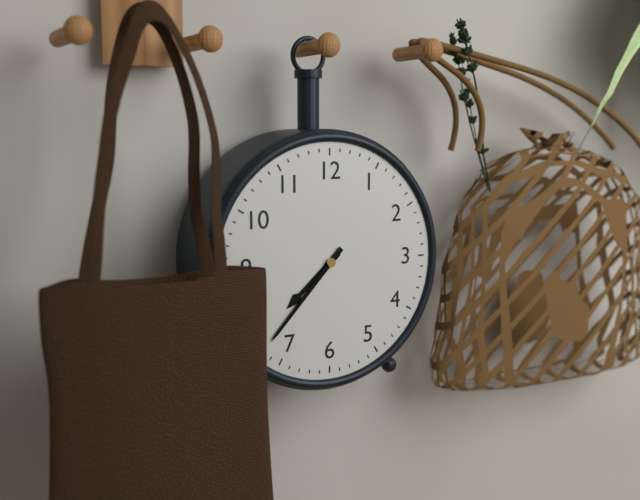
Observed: {"hour": 7, "minute": 37}
